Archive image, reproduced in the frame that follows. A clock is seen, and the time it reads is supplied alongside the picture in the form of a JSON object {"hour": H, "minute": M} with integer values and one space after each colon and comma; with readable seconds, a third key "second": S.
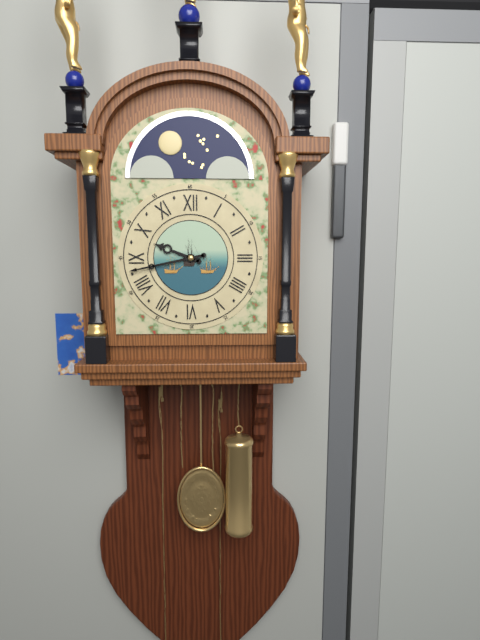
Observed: {"hour": 9, "minute": 43}
